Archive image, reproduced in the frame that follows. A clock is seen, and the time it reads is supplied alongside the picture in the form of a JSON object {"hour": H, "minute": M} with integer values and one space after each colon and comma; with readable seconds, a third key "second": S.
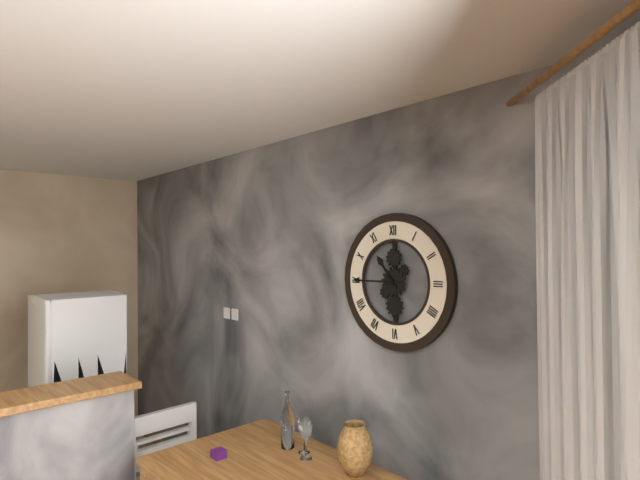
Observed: {"hour": 10, "minute": 45}
